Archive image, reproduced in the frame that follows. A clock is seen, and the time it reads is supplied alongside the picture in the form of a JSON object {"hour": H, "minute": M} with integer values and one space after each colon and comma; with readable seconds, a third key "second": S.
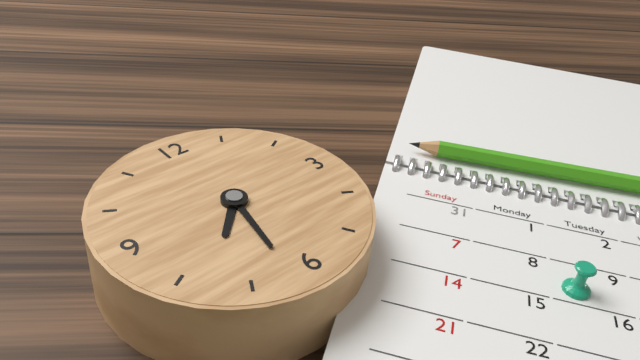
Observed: {"hour": 7, "minute": 32}
